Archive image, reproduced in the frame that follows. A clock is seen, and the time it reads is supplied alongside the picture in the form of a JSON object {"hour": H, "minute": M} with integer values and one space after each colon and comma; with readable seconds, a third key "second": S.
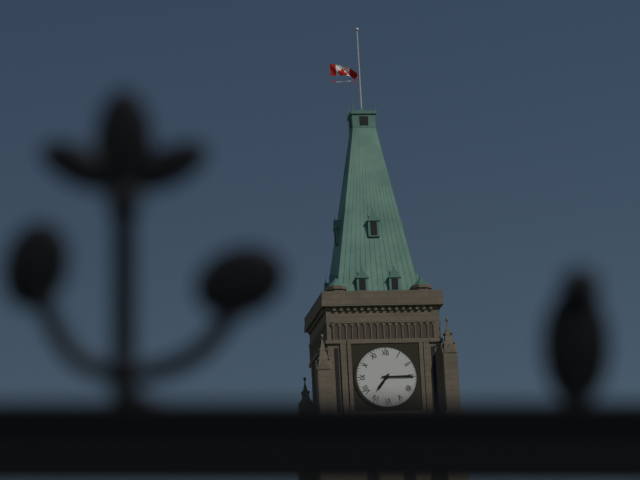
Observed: {"hour": 7, "minute": 15}
